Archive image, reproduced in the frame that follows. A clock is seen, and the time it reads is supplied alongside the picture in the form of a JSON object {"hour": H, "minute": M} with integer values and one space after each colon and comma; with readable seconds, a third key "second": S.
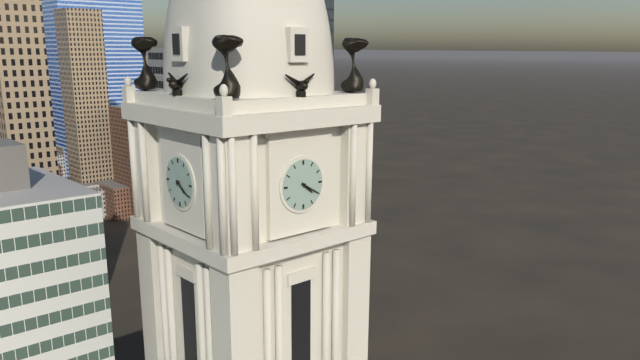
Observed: {"hour": 4, "minute": 20}
